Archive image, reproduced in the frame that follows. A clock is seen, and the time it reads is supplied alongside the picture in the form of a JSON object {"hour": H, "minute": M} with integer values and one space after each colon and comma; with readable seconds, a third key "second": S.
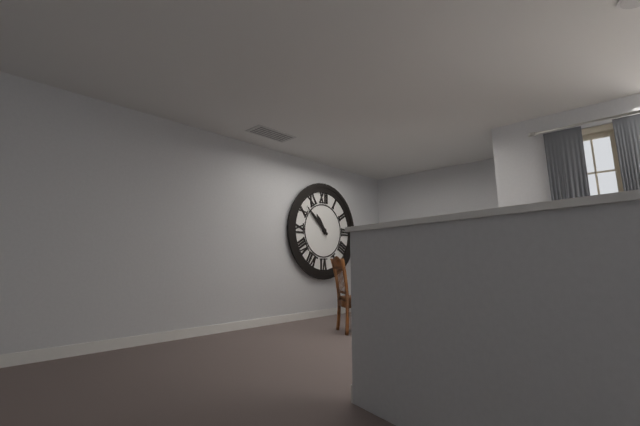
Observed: {"hour": 10, "minute": 52}
